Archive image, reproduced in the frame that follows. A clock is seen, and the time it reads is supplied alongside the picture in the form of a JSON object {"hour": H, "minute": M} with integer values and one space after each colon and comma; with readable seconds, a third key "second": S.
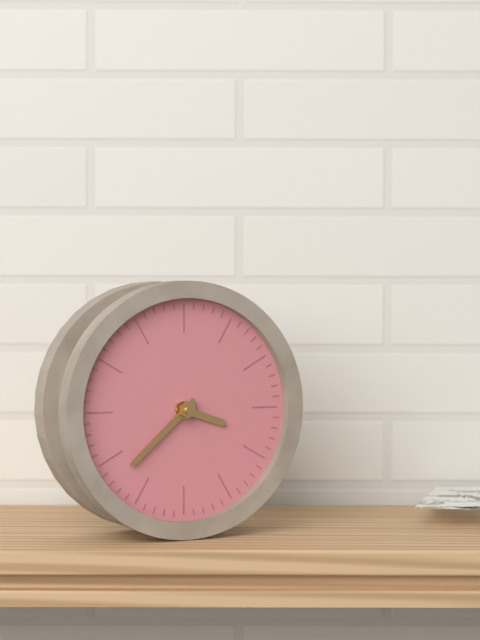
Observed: {"hour": 3, "minute": 38}
